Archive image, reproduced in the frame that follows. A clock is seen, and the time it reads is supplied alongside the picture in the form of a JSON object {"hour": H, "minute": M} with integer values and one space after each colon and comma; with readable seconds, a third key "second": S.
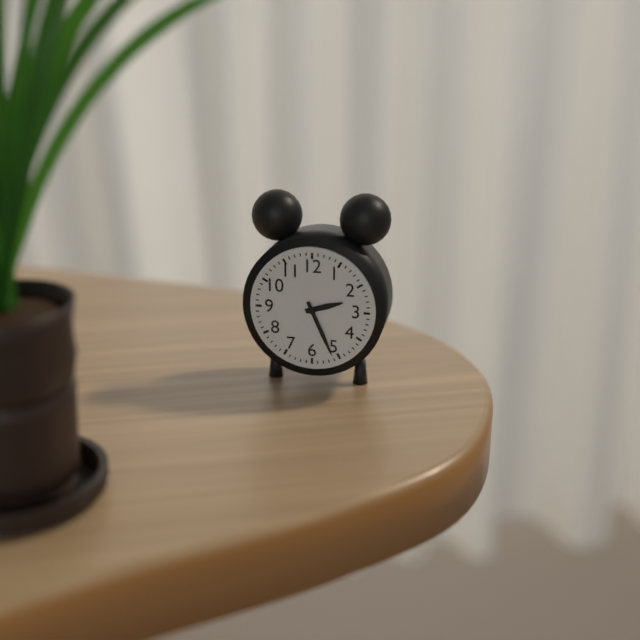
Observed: {"hour": 2, "minute": 26}
